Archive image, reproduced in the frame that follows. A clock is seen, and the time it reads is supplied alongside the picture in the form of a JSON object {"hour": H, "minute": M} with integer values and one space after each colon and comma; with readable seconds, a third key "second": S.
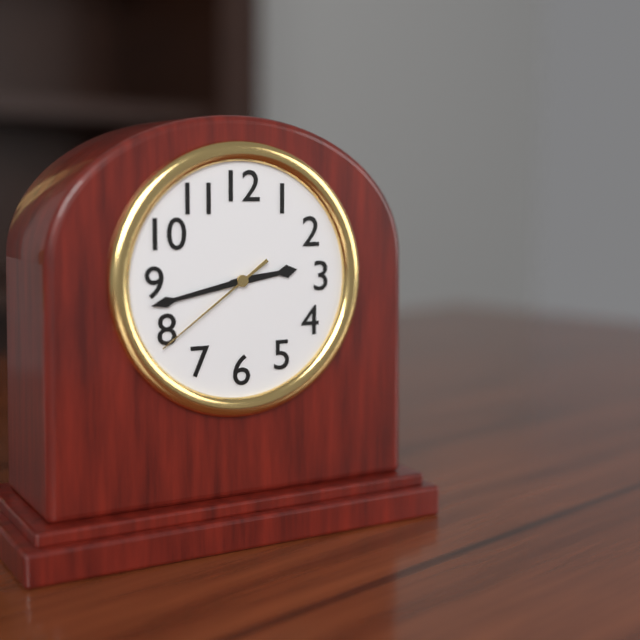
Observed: {"hour": 2, "minute": 43, "second": 39}
